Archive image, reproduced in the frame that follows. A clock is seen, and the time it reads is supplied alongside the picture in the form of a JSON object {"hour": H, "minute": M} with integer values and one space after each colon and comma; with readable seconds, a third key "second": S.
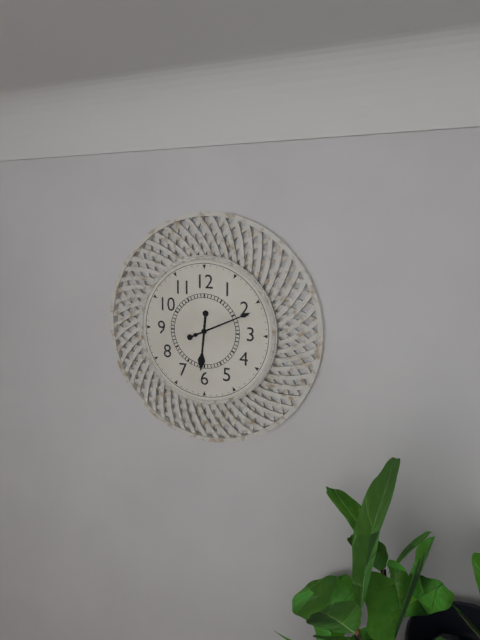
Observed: {"hour": 6, "minute": 11}
